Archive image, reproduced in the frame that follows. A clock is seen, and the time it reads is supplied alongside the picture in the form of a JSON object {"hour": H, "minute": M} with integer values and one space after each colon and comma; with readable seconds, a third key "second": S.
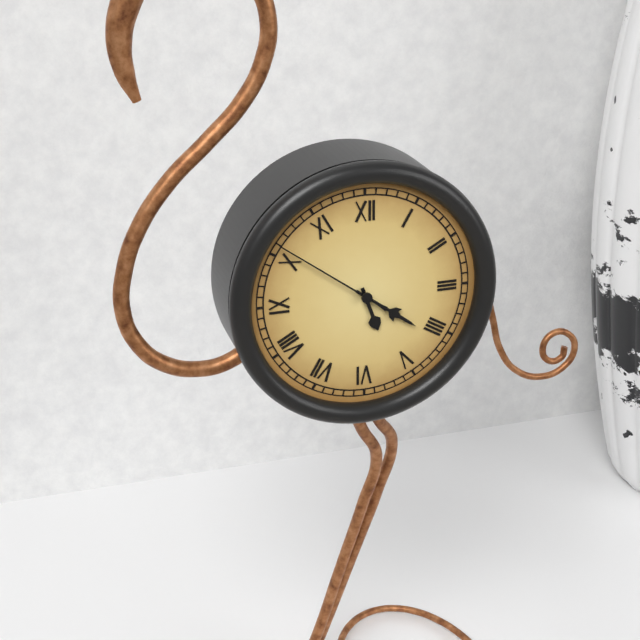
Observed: {"hour": 5, "minute": 21, "second": 51}
